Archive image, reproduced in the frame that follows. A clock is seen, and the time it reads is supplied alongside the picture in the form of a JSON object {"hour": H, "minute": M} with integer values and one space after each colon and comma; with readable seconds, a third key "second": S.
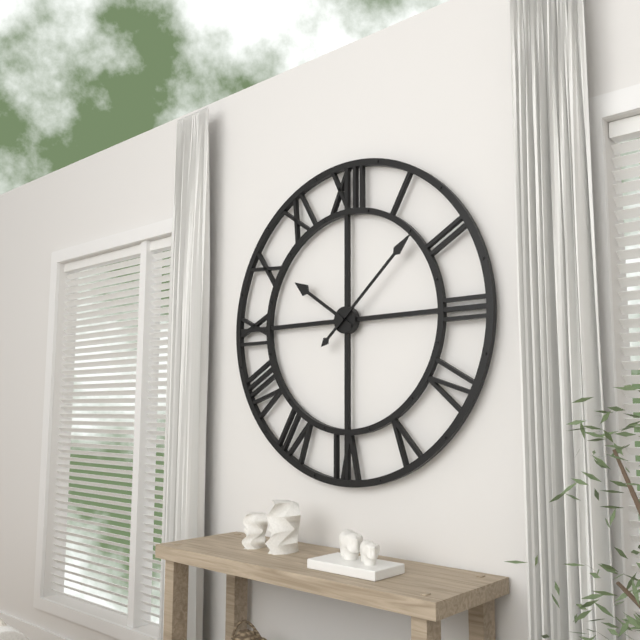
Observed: {"hour": 10, "minute": 8}
